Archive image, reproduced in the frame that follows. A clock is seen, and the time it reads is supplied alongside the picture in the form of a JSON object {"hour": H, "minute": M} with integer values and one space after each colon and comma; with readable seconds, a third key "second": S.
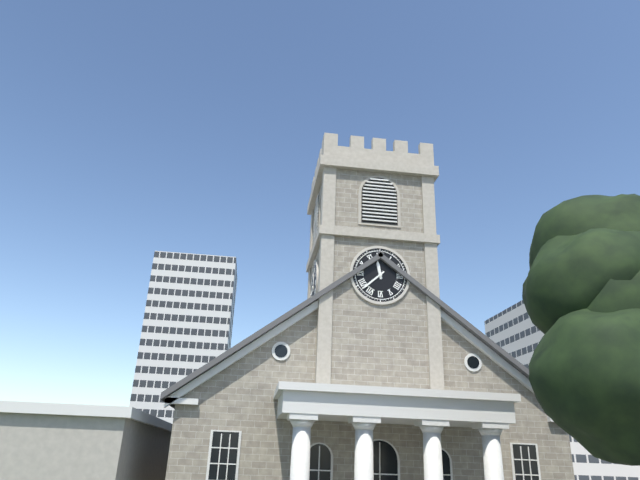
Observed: {"hour": 11, "minute": 38}
